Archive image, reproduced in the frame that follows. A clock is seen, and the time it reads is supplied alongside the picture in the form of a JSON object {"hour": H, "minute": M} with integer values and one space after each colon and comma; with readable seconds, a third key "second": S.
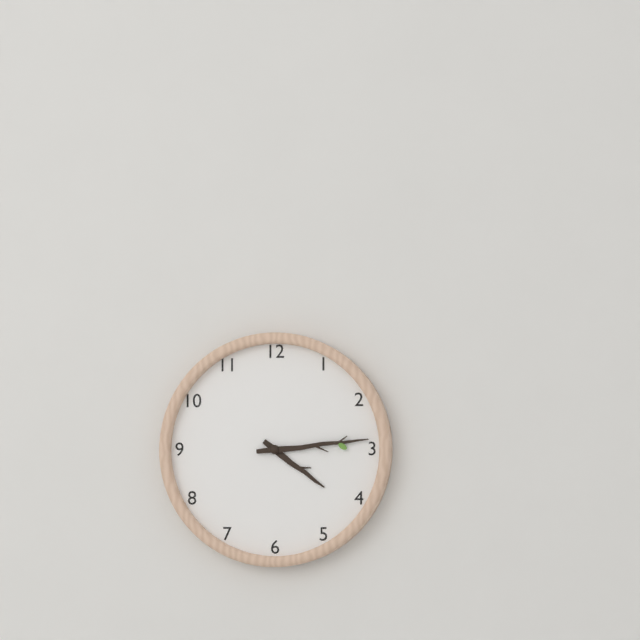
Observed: {"hour": 4, "minute": 14}
